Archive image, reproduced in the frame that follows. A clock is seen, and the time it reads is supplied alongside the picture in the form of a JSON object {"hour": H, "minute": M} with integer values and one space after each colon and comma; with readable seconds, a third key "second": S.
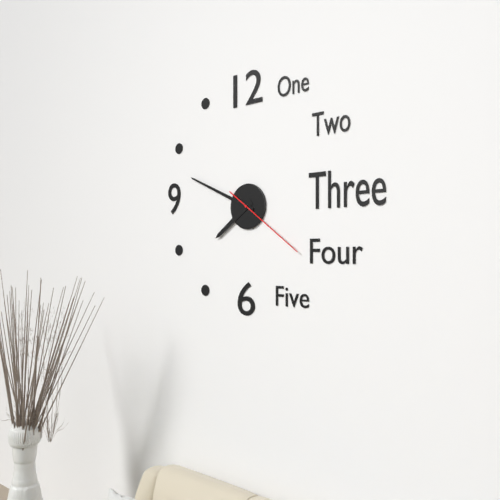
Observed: {"hour": 7, "minute": 49, "second": 21}
